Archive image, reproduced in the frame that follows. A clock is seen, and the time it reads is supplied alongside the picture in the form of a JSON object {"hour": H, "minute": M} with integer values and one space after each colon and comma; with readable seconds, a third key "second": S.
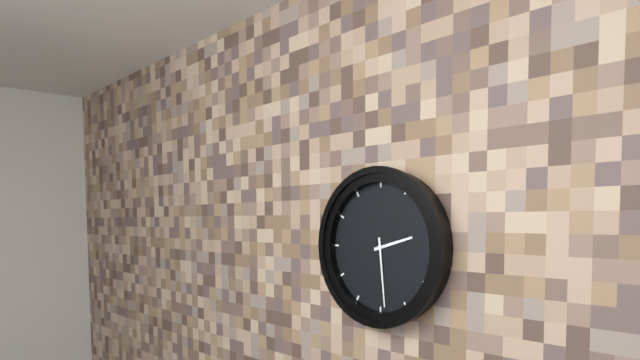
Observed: {"hour": 2, "minute": 29}
